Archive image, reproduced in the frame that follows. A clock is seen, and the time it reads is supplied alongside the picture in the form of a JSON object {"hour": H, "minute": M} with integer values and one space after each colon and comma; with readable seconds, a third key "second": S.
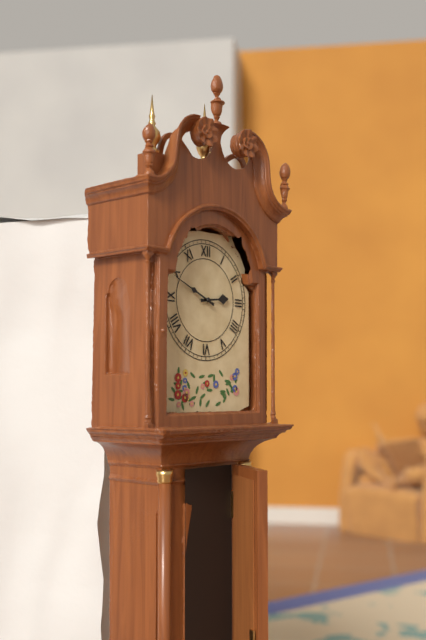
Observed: {"hour": 2, "minute": 49}
